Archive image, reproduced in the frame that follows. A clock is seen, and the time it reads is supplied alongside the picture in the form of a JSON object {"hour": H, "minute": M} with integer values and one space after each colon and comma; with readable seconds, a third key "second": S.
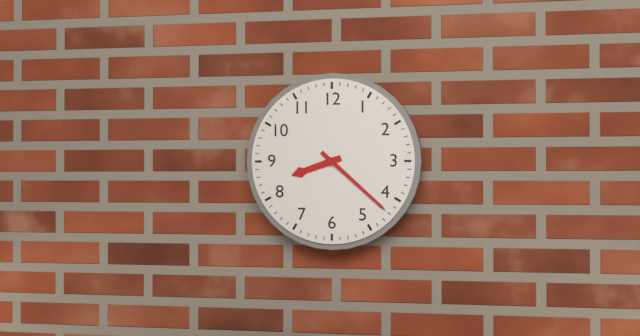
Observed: {"hour": 8, "minute": 22}
